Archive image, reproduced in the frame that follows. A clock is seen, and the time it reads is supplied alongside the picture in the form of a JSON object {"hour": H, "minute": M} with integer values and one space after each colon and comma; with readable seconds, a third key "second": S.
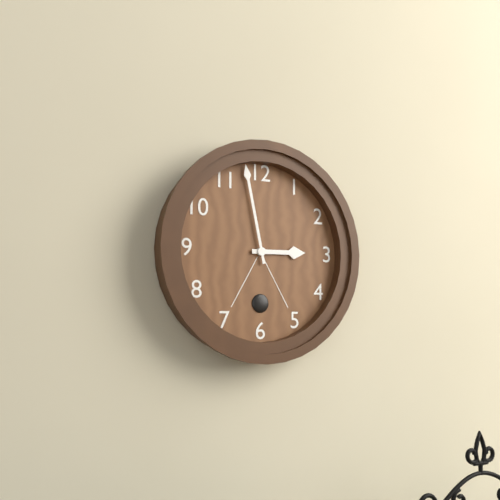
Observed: {"hour": 2, "minute": 58}
